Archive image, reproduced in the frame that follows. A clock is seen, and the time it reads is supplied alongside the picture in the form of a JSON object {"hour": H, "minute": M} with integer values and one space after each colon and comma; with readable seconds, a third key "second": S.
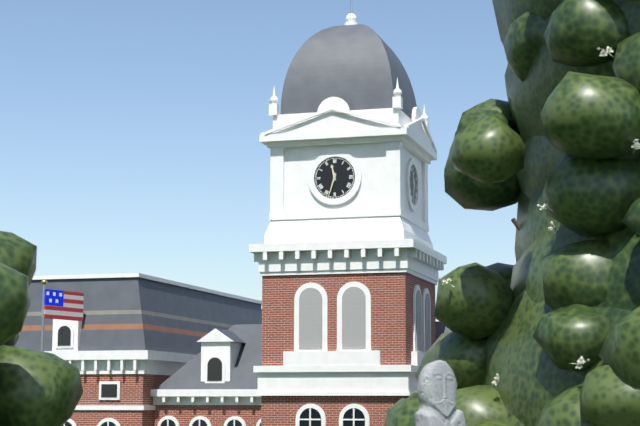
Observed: {"hour": 11, "minute": 33}
